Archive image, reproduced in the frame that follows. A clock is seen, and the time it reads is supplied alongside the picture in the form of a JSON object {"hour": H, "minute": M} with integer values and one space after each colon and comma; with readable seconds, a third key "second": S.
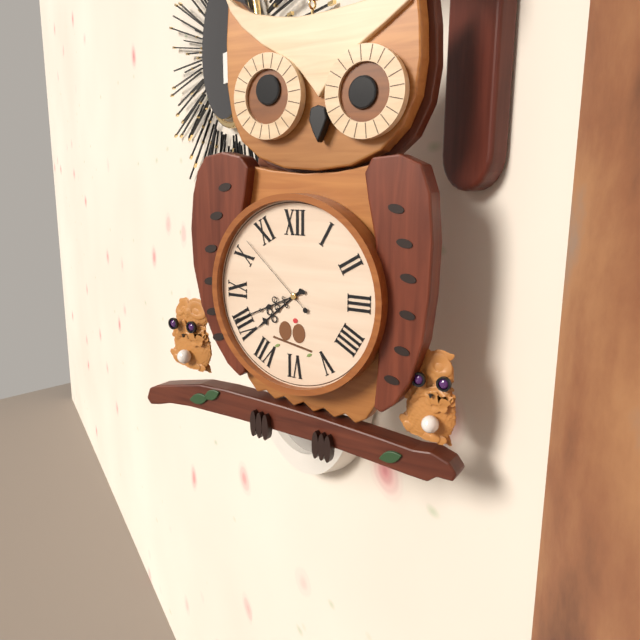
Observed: {"hour": 7, "minute": 41, "second": 52}
